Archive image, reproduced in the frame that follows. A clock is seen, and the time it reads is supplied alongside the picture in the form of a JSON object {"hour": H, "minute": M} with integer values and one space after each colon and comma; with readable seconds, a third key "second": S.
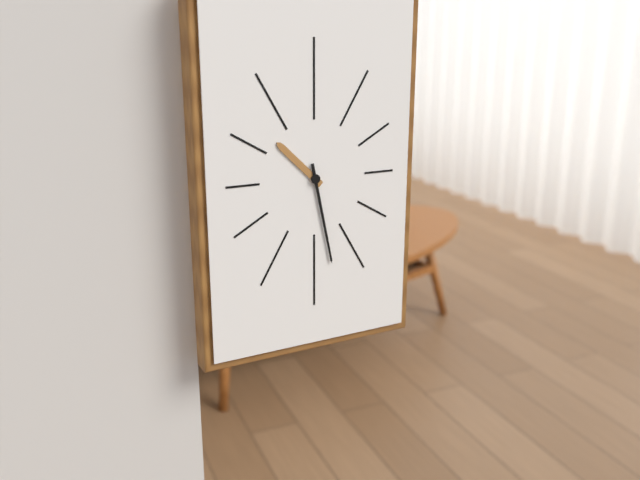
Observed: {"hour": 10, "minute": 28}
